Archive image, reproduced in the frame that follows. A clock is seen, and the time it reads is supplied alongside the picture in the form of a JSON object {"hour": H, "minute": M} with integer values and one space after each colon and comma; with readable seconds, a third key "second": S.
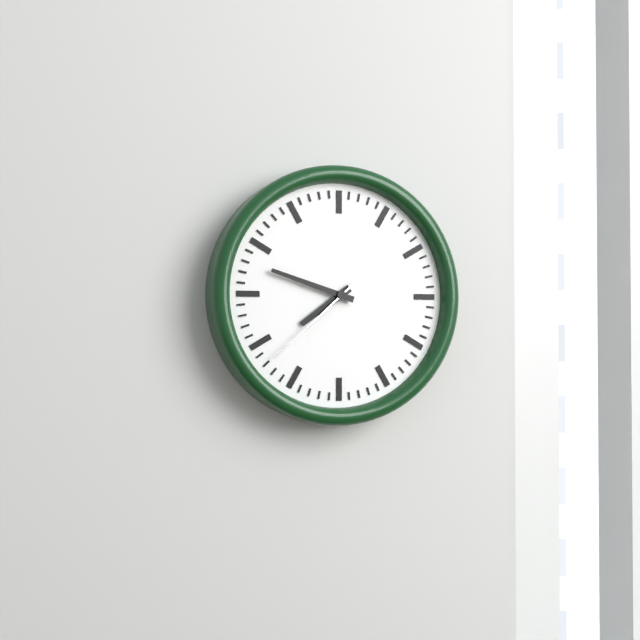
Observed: {"hour": 7, "minute": 48, "second": 38}
